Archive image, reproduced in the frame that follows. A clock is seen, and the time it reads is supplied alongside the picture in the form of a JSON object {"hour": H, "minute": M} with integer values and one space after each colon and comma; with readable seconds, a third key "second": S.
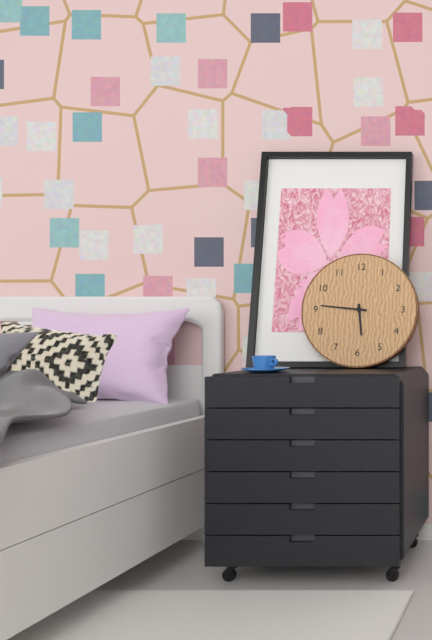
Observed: {"hour": 5, "minute": 46}
